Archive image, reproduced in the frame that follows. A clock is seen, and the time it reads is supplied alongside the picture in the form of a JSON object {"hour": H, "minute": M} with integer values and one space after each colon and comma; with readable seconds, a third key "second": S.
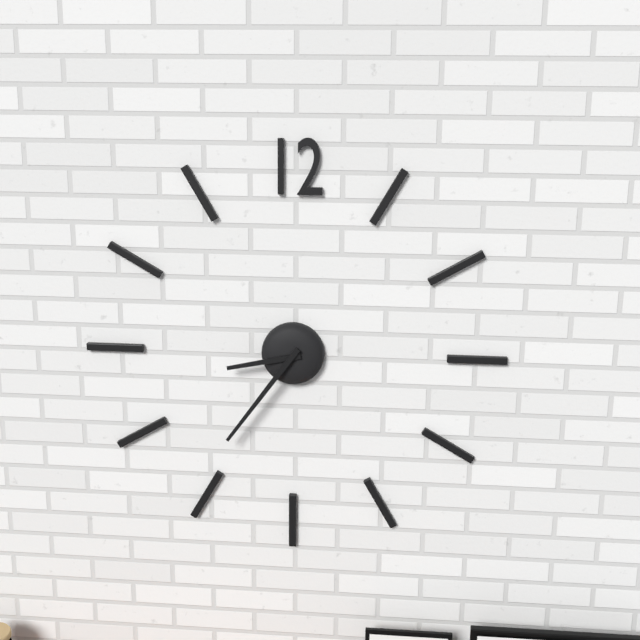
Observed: {"hour": 8, "minute": 36}
